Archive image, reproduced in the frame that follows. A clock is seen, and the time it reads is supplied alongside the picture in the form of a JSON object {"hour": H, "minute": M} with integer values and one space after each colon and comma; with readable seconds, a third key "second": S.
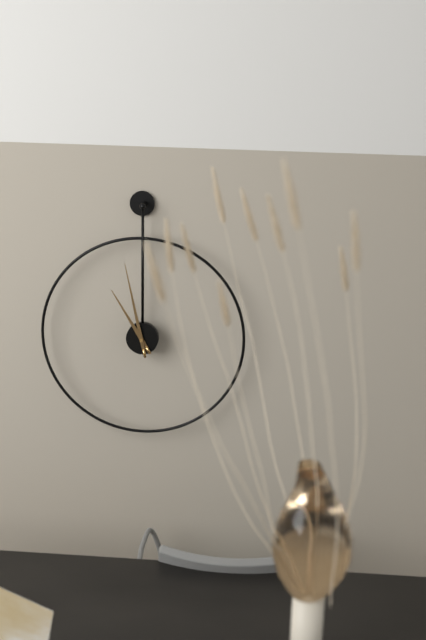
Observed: {"hour": 10, "minute": 58}
